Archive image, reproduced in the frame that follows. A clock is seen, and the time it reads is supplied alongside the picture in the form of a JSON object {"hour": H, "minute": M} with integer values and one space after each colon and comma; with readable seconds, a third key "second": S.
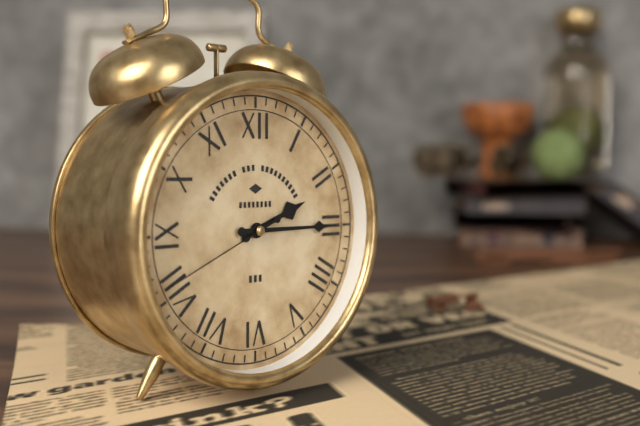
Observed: {"hour": 2, "minute": 15, "second": 41}
